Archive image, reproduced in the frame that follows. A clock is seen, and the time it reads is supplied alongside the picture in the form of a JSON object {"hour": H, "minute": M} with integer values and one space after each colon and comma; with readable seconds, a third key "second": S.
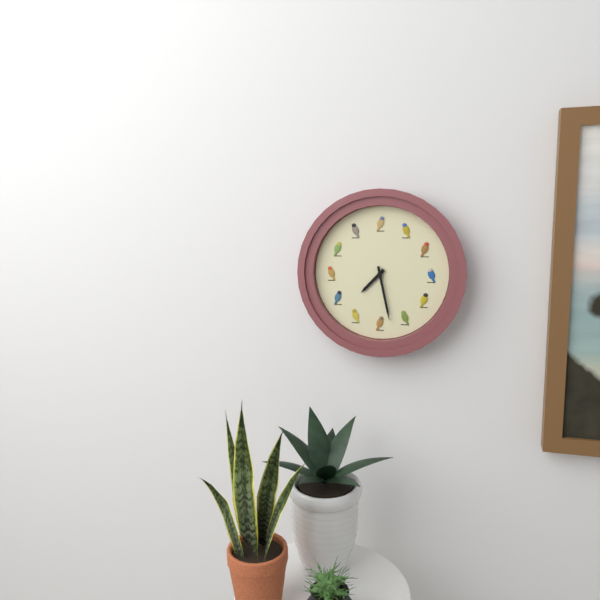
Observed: {"hour": 7, "minute": 28}
